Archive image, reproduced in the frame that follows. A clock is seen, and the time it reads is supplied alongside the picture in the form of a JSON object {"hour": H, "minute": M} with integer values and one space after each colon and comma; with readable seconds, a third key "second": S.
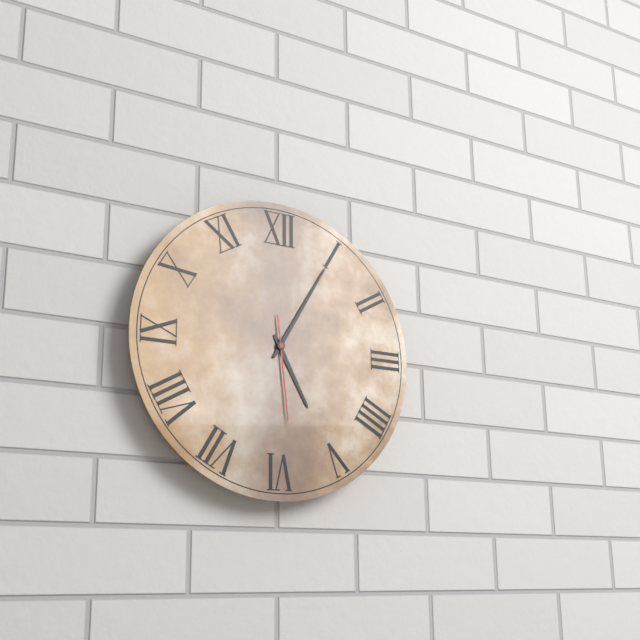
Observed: {"hour": 5, "minute": 5, "second": 29}
